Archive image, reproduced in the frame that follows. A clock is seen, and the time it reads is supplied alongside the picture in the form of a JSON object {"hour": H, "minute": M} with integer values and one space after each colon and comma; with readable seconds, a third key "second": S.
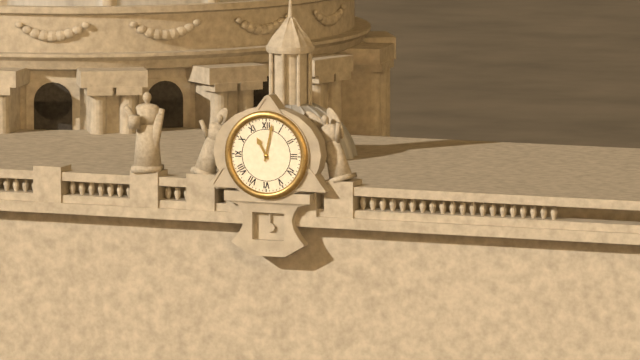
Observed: {"hour": 11, "minute": 2}
